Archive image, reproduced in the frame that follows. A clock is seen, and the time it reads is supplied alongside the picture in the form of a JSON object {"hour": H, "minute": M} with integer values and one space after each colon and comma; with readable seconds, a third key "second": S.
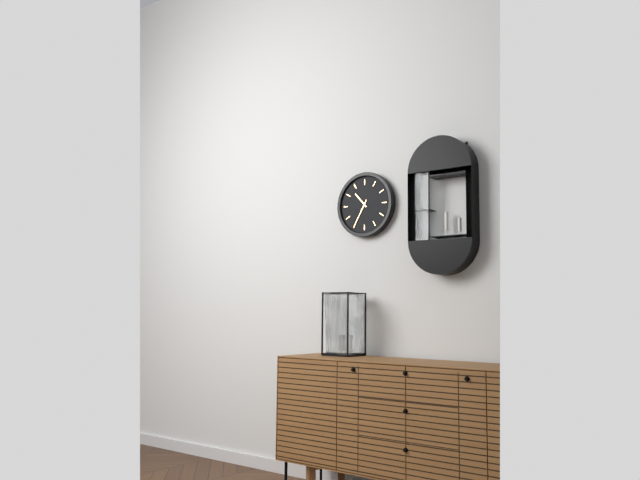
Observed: {"hour": 10, "minute": 35}
